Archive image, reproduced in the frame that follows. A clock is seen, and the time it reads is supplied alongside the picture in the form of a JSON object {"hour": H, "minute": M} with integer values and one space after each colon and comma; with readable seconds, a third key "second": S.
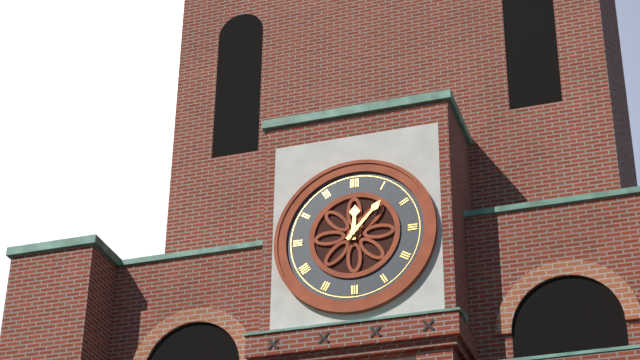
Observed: {"hour": 12, "minute": 7}
